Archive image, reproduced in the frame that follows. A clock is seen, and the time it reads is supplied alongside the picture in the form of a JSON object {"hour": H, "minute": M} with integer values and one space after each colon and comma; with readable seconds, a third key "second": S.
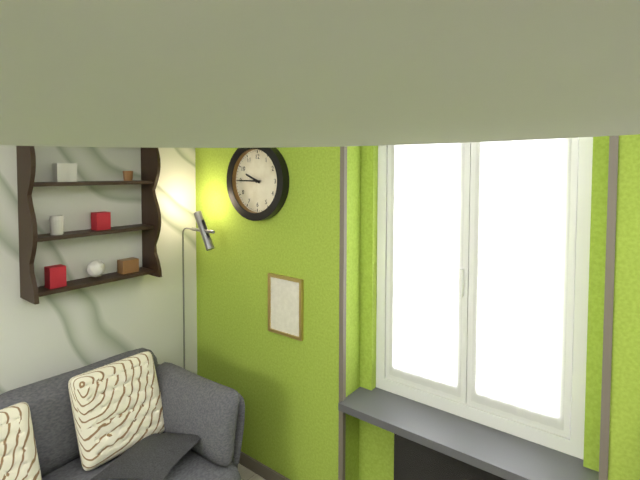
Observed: {"hour": 9, "minute": 45}
